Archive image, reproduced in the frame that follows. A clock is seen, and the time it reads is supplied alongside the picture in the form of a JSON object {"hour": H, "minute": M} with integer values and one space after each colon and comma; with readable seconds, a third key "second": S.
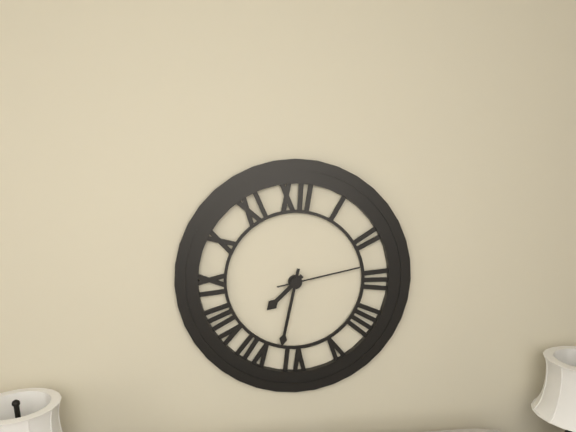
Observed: {"hour": 7, "minute": 32, "second": 13}
